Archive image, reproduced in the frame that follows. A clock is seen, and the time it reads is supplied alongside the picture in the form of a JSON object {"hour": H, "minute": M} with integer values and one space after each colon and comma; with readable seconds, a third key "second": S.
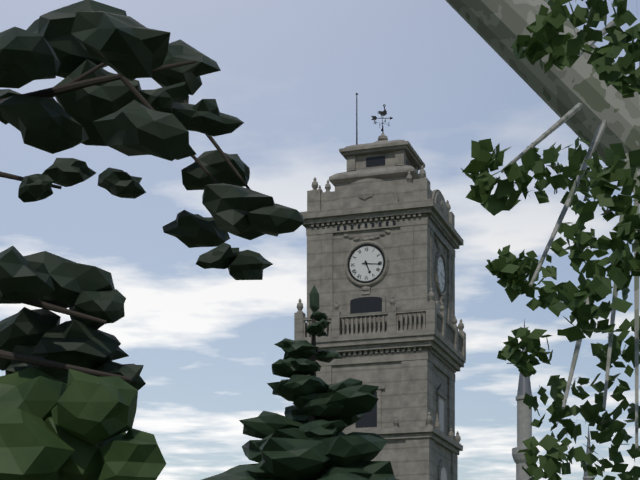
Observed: {"hour": 5, "minute": 16}
